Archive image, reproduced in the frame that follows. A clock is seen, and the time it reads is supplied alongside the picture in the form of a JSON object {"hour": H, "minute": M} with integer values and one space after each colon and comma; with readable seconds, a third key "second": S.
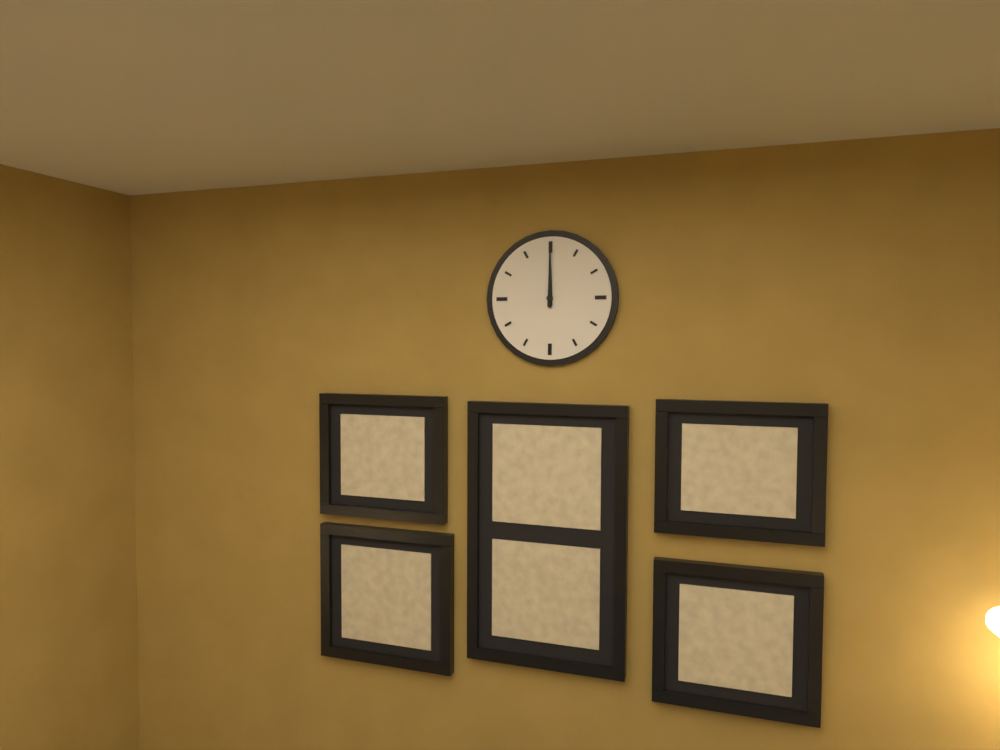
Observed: {"hour": 12, "minute": 0}
